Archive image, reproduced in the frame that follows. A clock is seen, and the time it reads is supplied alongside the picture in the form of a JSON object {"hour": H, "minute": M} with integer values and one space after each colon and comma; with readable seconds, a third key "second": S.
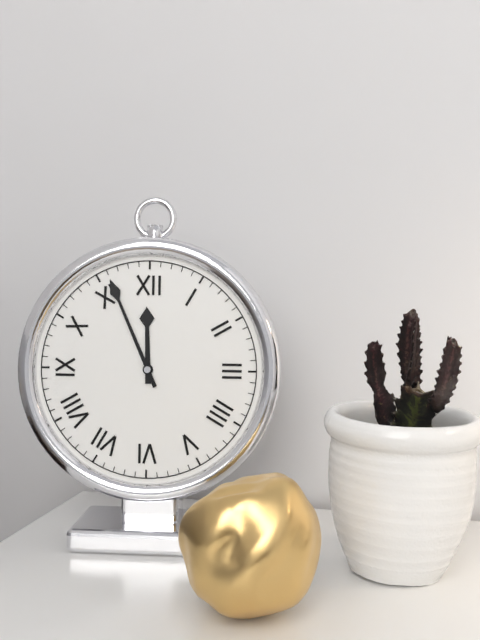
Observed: {"hour": 11, "minute": 56}
